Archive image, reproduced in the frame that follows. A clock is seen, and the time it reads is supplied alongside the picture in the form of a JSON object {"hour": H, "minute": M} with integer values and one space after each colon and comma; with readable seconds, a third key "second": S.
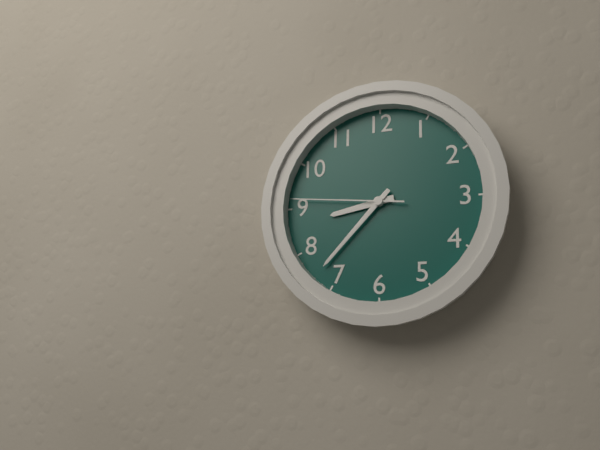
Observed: {"hour": 8, "minute": 37, "second": 46}
